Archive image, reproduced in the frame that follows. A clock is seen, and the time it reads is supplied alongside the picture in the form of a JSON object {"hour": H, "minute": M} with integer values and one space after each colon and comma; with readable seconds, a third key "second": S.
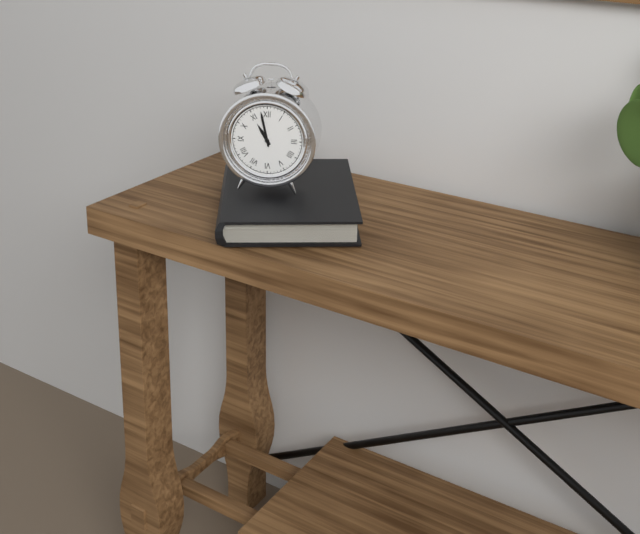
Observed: {"hour": 10, "minute": 58}
